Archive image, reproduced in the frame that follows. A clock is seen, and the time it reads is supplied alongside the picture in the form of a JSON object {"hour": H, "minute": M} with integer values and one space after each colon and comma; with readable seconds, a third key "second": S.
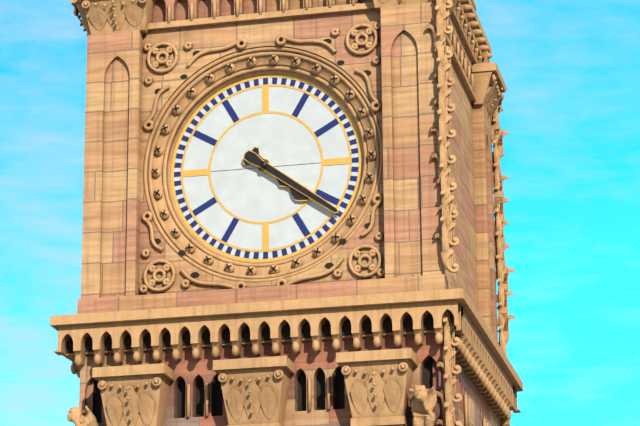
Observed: {"hour": 4, "minute": 21}
